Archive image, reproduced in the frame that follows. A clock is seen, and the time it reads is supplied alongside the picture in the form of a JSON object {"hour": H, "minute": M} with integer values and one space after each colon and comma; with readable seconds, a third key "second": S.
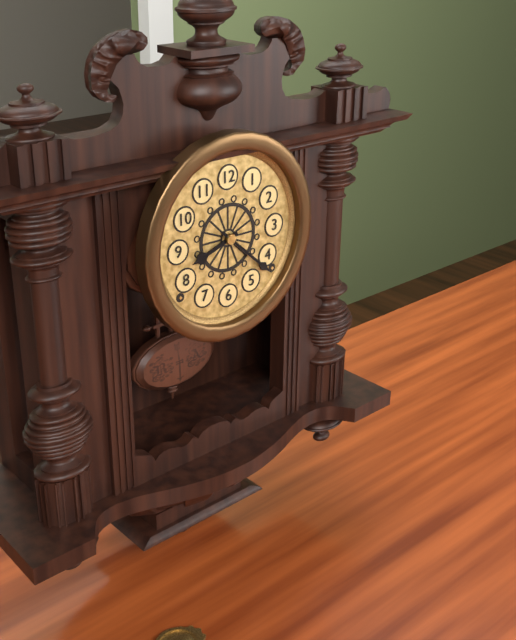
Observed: {"hour": 8, "minute": 22}
